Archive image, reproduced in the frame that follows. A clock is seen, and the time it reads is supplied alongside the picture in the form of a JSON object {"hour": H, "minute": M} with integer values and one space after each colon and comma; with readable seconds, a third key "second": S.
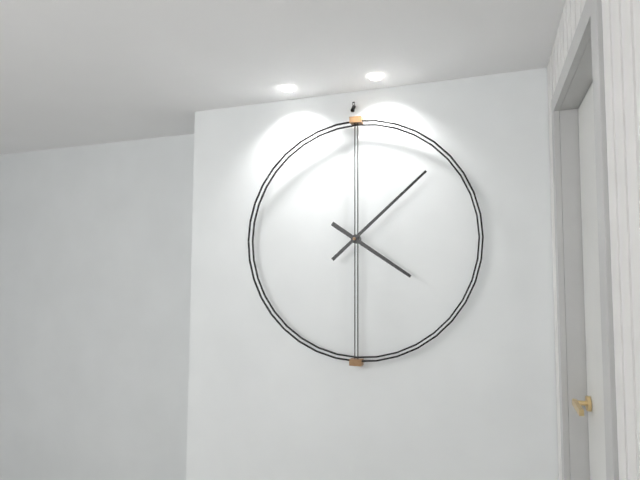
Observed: {"hour": 4, "minute": 8}
